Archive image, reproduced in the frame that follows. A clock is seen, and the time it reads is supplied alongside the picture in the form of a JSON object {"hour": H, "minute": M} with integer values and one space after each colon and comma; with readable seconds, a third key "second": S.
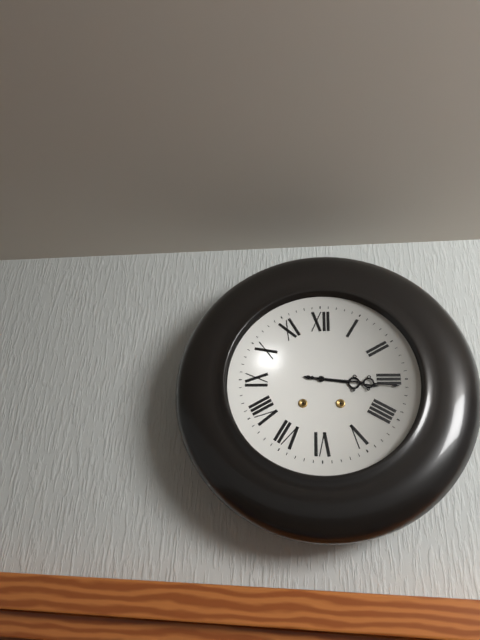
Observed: {"hour": 3, "minute": 16}
